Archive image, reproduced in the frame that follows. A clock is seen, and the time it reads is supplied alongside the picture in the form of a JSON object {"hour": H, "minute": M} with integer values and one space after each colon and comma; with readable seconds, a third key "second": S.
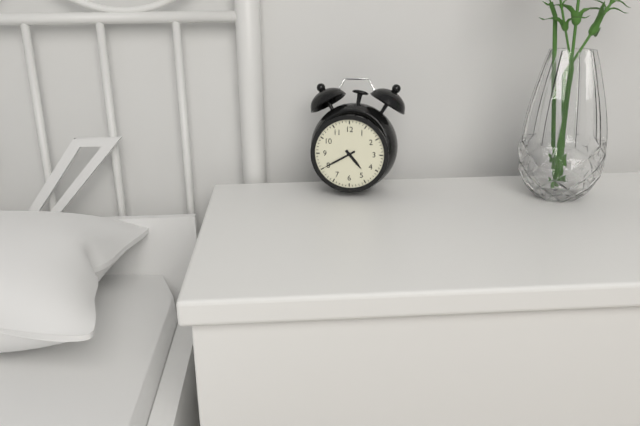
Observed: {"hour": 4, "minute": 40}
